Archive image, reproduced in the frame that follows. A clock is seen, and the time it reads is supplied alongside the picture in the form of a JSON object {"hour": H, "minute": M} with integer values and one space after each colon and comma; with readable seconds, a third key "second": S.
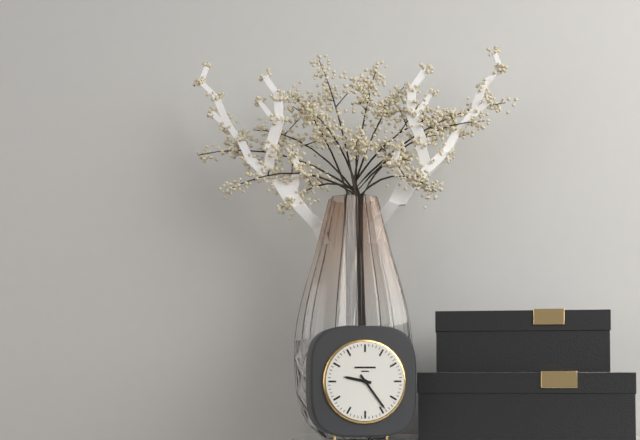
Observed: {"hour": 9, "minute": 24}
